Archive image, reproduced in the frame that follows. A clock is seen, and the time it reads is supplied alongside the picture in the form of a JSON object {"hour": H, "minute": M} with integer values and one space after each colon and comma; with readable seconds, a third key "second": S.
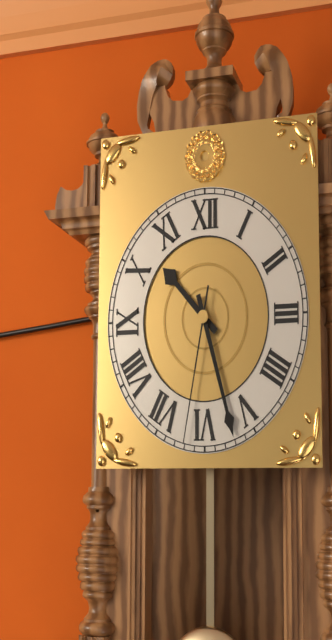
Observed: {"hour": 10, "minute": 27, "second": 32}
